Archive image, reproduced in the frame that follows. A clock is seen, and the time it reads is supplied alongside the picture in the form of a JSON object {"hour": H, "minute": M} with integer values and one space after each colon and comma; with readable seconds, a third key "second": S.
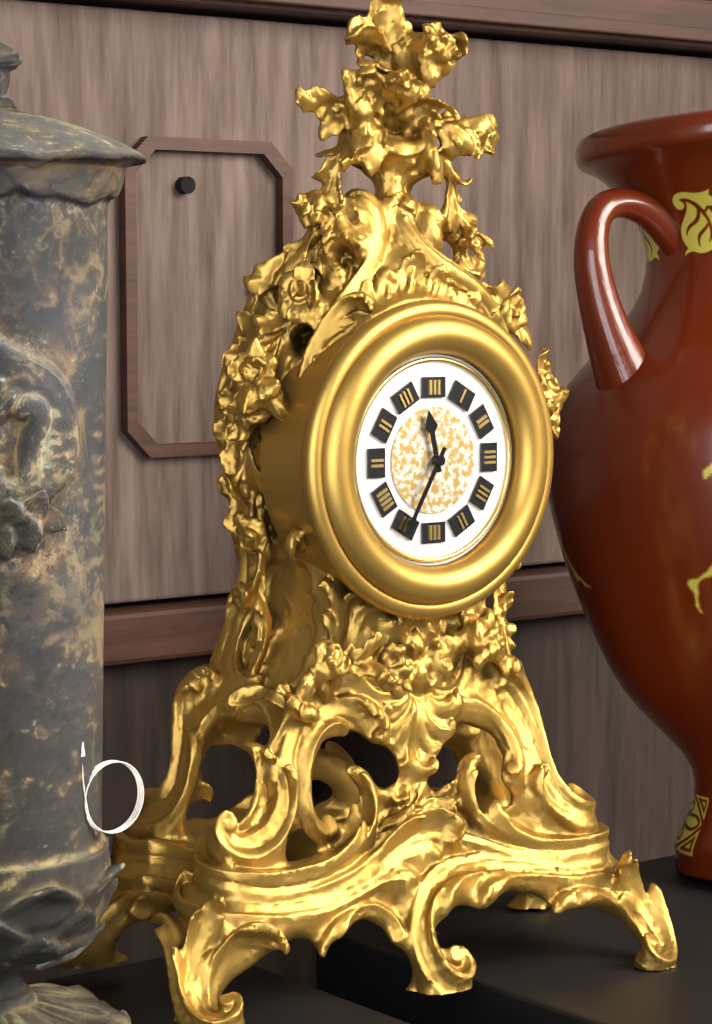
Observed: {"hour": 11, "minute": 35}
